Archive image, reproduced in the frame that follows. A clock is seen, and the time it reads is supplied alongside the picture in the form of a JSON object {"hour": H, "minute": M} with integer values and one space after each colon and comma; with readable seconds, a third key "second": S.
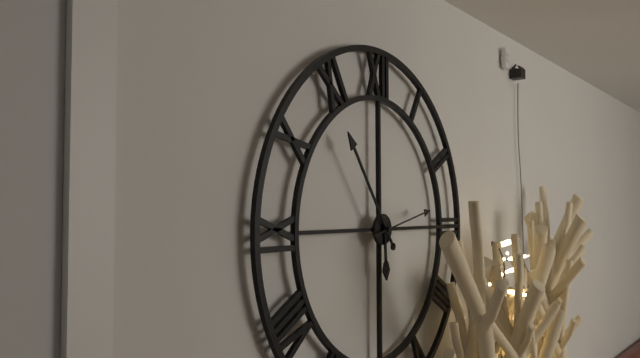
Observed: {"hour": 5, "minute": 54, "second": 13}
